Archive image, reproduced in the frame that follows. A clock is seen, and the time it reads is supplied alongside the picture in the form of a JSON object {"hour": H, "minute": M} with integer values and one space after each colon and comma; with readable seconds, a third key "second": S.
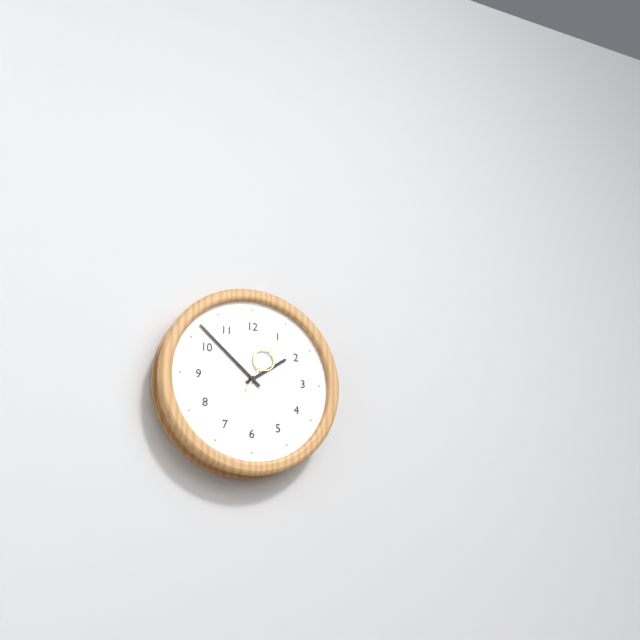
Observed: {"hour": 1, "minute": 52, "second": 5}
